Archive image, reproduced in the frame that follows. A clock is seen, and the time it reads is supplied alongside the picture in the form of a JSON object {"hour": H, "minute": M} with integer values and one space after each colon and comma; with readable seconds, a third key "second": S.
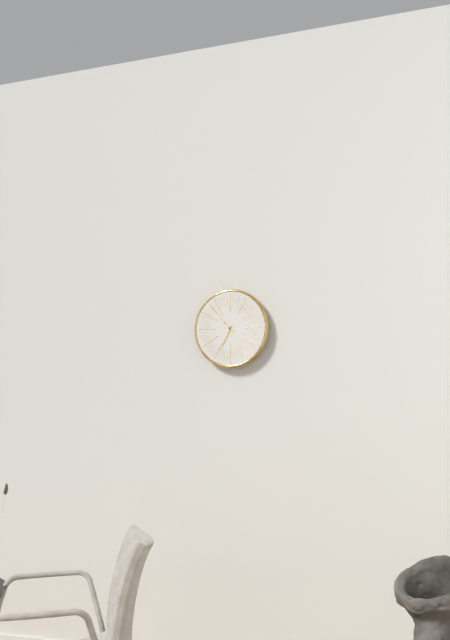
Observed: {"hour": 6, "minute": 53}
